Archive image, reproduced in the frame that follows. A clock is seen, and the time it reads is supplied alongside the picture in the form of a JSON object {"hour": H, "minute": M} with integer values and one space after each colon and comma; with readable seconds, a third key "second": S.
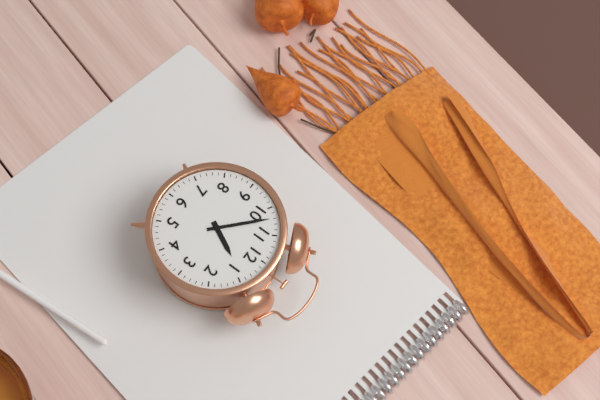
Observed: {"hour": 12, "minute": 52}
